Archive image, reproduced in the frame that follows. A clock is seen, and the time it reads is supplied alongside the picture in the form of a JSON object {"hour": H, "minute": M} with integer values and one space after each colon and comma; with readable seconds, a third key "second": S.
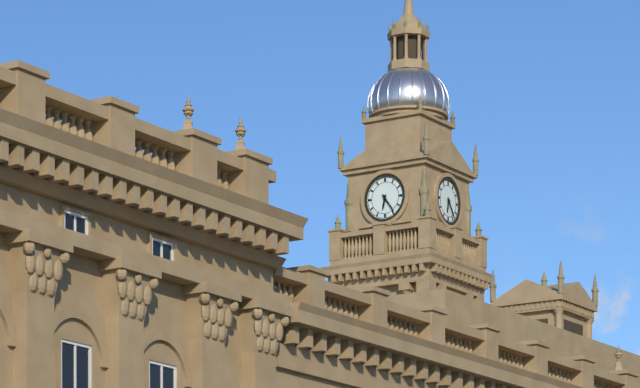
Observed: {"hour": 6, "minute": 24}
